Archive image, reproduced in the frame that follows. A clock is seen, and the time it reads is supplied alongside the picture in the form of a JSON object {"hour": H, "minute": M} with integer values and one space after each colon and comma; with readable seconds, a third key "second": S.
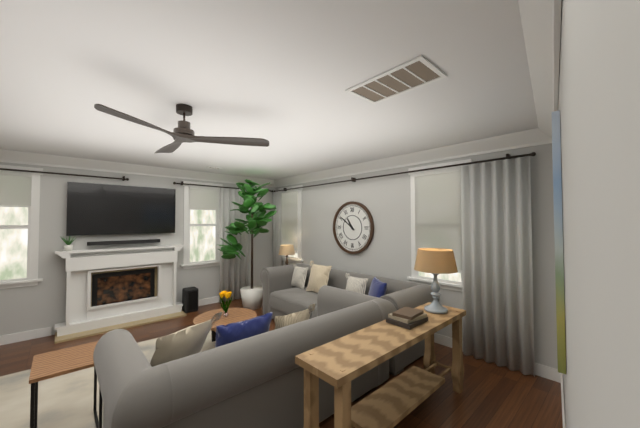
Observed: {"hour": 10, "minute": 51}
